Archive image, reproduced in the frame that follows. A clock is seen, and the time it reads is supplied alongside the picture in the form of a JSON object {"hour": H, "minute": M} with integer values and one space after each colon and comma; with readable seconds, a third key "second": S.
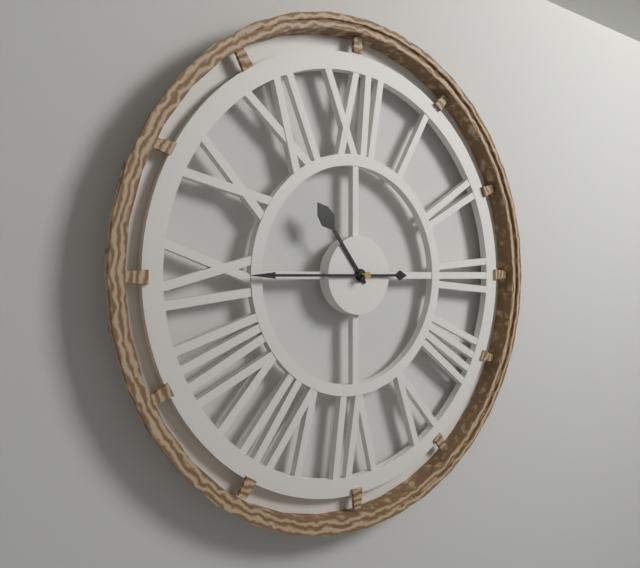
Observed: {"hour": 10, "minute": 45}
